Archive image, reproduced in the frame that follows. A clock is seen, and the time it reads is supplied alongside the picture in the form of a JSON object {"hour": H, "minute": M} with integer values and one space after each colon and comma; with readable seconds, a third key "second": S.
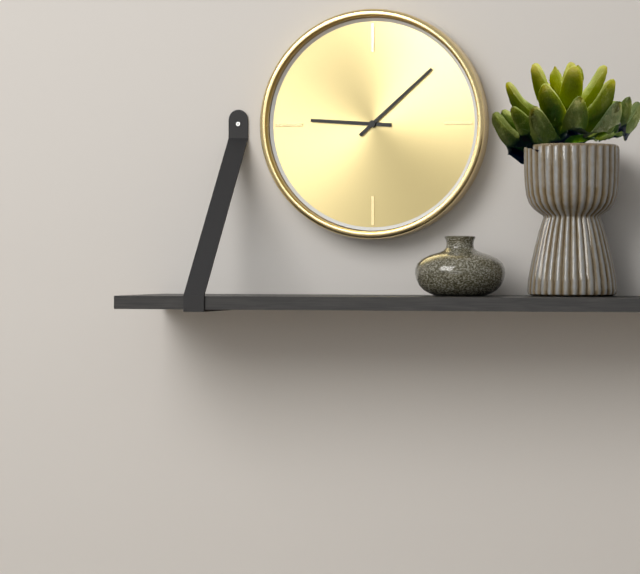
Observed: {"hour": 9, "minute": 8}
